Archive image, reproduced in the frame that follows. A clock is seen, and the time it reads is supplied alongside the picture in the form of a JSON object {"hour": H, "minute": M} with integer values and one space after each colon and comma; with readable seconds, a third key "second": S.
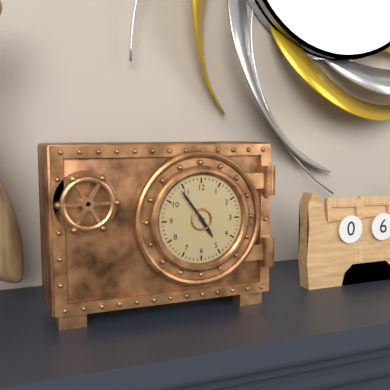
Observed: {"hour": 4, "minute": 54}
